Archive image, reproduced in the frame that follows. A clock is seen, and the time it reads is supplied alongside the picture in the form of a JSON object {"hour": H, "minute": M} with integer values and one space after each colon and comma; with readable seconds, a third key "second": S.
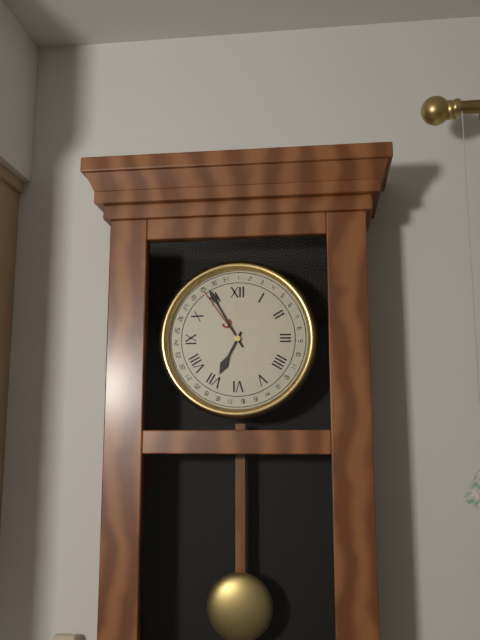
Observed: {"hour": 6, "minute": 55}
